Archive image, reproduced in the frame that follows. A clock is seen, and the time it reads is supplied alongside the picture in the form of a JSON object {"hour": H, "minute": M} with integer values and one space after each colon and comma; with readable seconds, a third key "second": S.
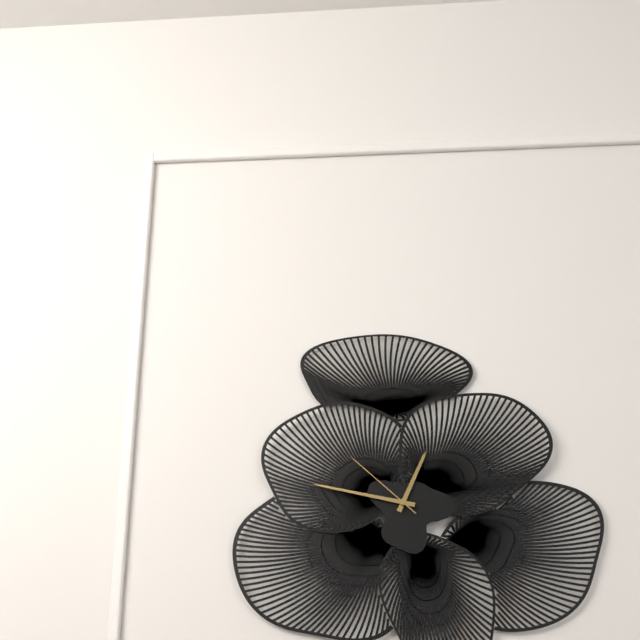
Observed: {"hour": 12, "minute": 47, "second": 52}
